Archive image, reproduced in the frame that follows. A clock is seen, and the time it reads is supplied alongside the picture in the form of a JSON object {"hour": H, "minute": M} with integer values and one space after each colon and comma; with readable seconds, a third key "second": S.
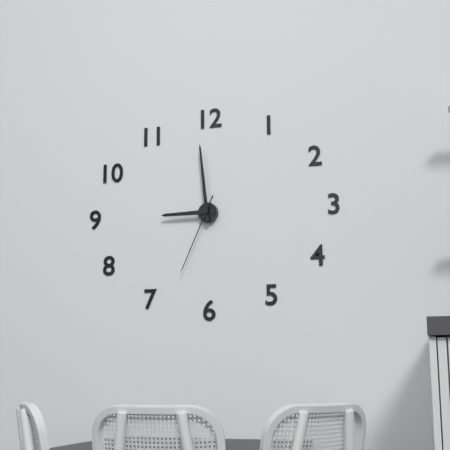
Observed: {"hour": 8, "minute": 59, "second": 34}
